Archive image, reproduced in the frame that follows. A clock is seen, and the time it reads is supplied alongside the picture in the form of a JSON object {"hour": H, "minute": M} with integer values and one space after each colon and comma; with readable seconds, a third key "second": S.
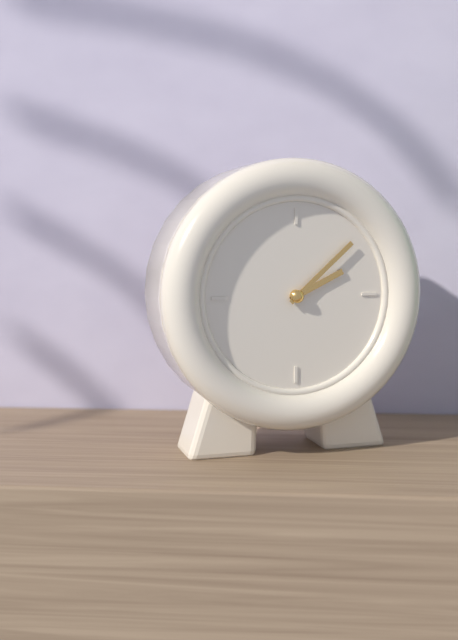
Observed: {"hour": 2, "minute": 8}
